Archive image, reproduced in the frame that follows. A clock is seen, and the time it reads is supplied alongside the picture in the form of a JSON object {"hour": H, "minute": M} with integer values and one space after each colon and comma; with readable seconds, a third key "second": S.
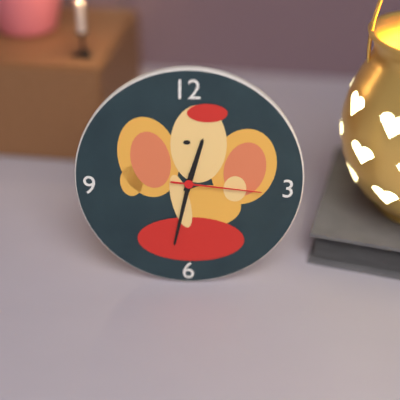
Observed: {"hour": 12, "minute": 32, "second": 16}
